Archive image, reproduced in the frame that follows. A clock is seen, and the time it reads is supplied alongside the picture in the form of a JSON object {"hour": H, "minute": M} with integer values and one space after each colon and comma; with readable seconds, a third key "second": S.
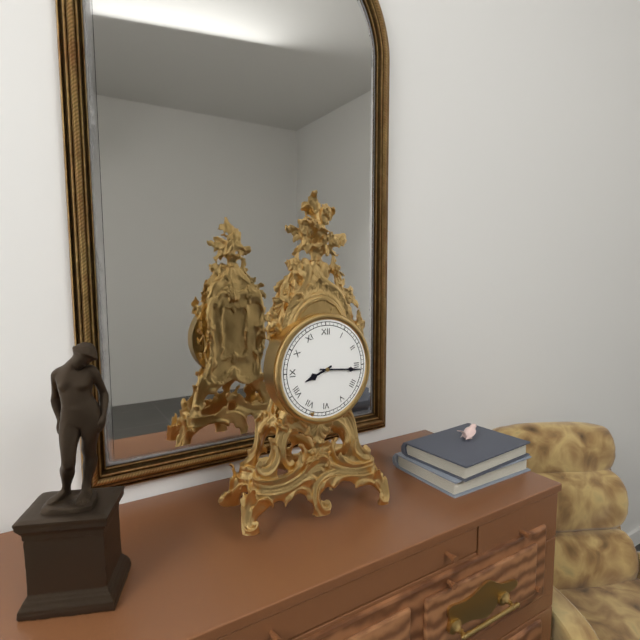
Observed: {"hour": 8, "minute": 16}
